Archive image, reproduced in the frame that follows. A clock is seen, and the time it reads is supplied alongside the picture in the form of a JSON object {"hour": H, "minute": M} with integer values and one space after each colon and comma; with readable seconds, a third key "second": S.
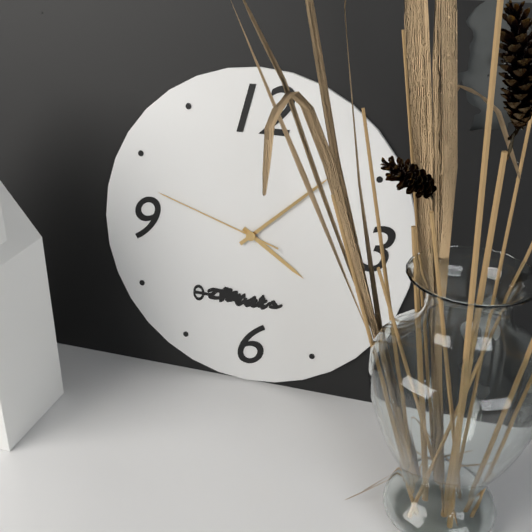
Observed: {"hour": 4, "minute": 8, "second": 48}
